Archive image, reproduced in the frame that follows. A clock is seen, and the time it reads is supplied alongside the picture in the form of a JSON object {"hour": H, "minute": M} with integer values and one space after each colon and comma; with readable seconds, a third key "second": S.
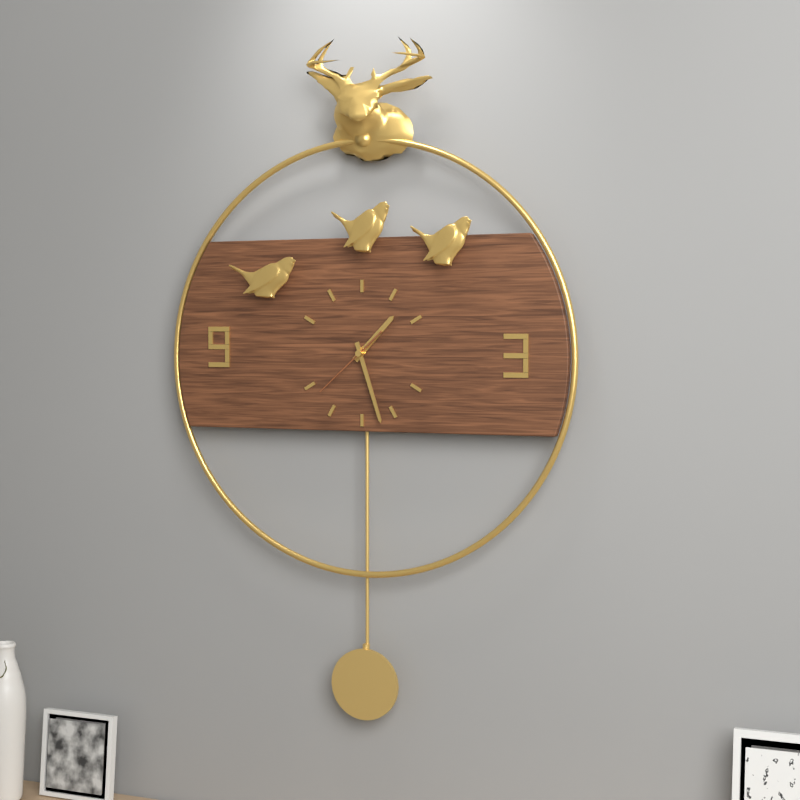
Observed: {"hour": 1, "minute": 27, "second": 38}
